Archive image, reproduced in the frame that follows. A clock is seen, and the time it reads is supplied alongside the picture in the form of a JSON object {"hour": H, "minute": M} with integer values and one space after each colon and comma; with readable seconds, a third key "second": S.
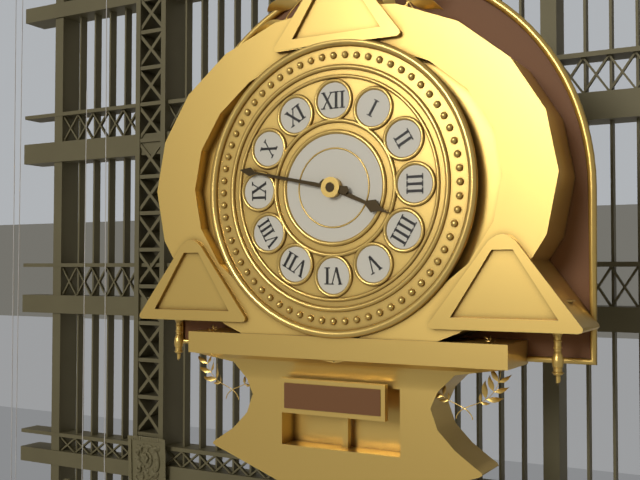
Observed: {"hour": 3, "minute": 47}
